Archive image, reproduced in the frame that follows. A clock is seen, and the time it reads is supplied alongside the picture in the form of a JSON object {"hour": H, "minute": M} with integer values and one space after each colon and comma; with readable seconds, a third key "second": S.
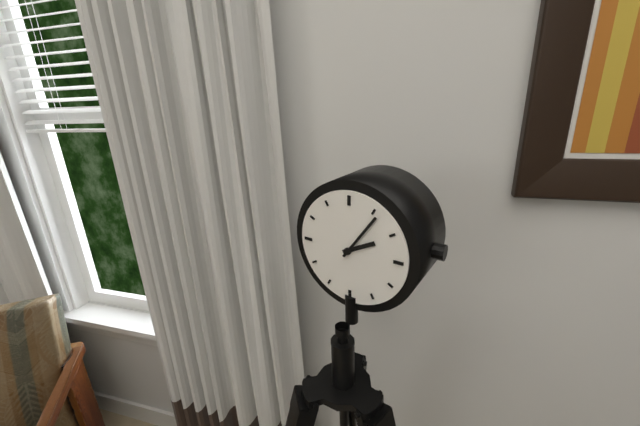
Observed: {"hour": 2, "minute": 6}
